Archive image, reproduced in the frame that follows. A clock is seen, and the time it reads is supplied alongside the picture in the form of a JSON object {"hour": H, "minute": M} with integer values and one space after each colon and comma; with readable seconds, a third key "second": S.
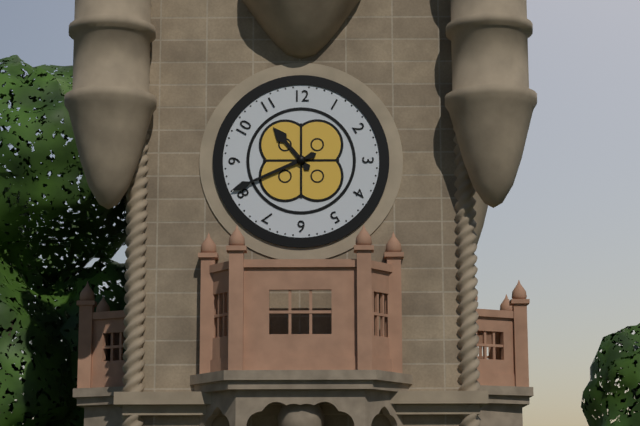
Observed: {"hour": 10, "minute": 41}
